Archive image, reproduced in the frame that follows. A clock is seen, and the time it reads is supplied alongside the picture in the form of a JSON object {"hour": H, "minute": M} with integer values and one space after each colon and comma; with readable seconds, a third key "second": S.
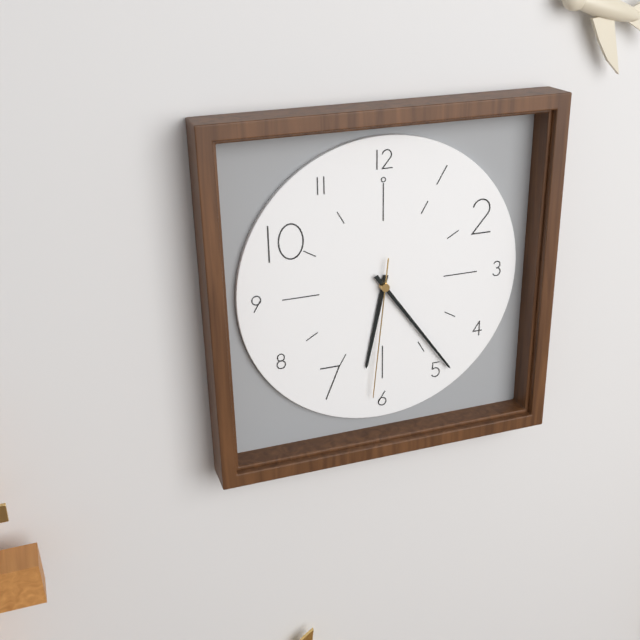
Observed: {"hour": 6, "minute": 24, "second": 31}
